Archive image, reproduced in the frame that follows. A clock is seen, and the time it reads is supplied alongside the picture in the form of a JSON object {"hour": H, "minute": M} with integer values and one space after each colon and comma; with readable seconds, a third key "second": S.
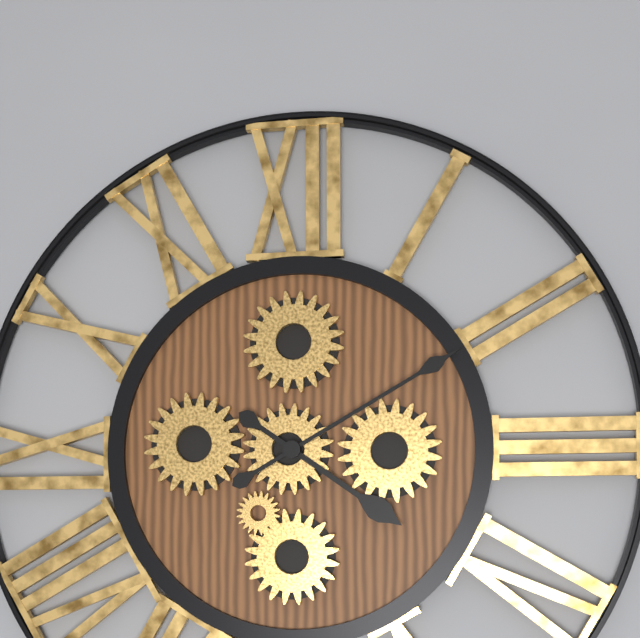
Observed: {"hour": 4, "minute": 10}
